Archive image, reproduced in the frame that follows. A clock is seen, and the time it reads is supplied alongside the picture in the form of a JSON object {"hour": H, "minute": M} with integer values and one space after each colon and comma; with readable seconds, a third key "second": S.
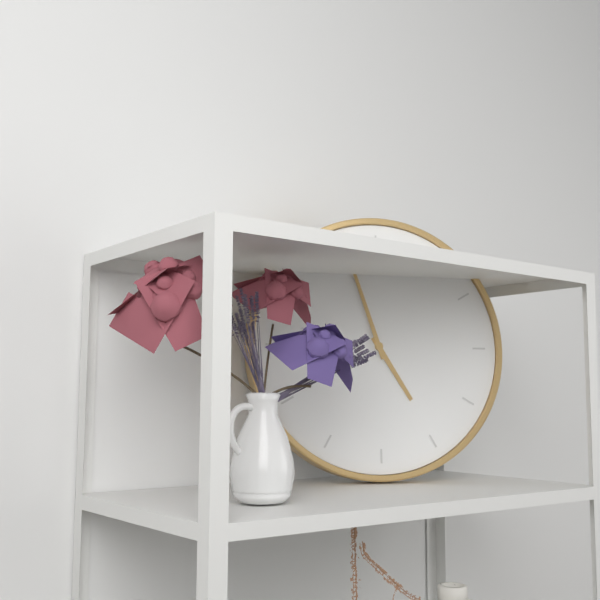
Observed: {"hour": 4, "minute": 57}
